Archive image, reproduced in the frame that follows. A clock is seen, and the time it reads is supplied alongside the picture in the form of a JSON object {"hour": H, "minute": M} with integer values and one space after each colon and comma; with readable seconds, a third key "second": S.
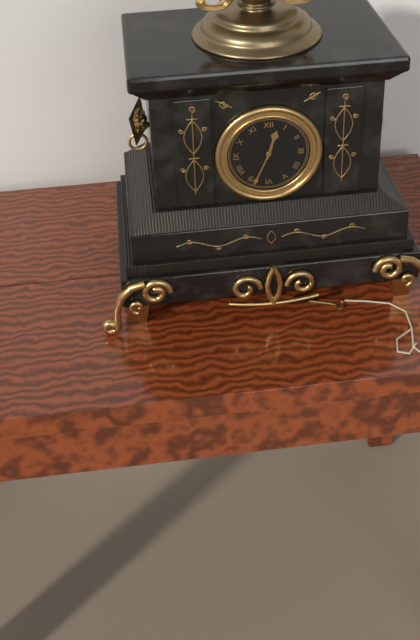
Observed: {"hour": 12, "minute": 34}
